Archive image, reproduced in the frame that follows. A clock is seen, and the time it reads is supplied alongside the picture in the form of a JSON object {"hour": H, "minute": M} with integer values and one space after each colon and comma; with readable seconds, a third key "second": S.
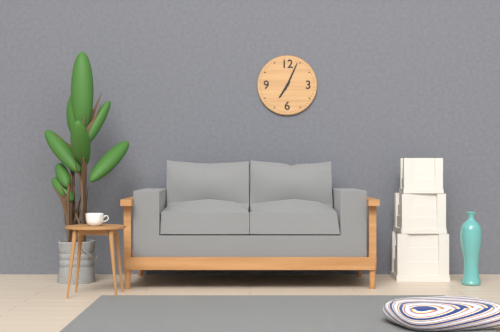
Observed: {"hour": 7, "minute": 4}
